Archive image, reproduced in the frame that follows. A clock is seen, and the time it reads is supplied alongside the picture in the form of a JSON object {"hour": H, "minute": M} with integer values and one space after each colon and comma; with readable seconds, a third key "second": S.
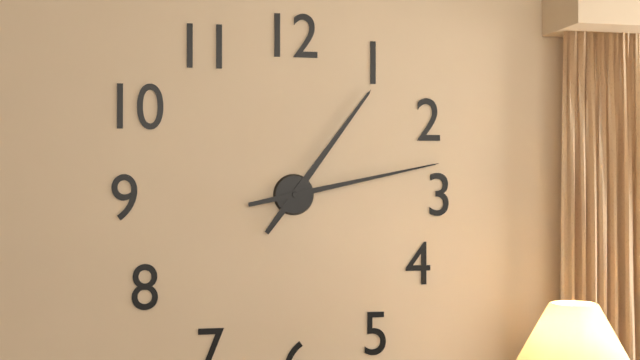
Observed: {"hour": 1, "minute": 13}
